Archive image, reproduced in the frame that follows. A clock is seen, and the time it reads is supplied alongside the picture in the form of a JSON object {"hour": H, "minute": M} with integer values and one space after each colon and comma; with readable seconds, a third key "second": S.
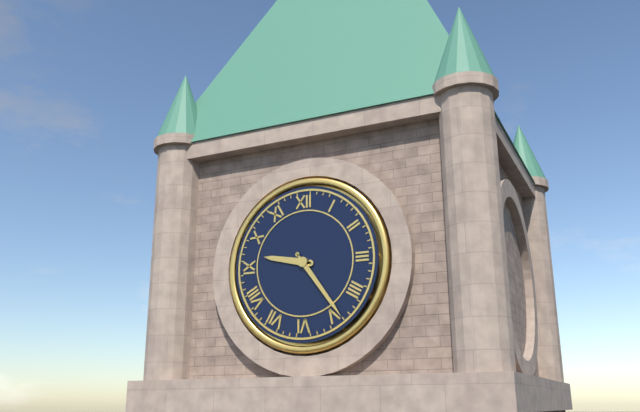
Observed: {"hour": 9, "minute": 24}
